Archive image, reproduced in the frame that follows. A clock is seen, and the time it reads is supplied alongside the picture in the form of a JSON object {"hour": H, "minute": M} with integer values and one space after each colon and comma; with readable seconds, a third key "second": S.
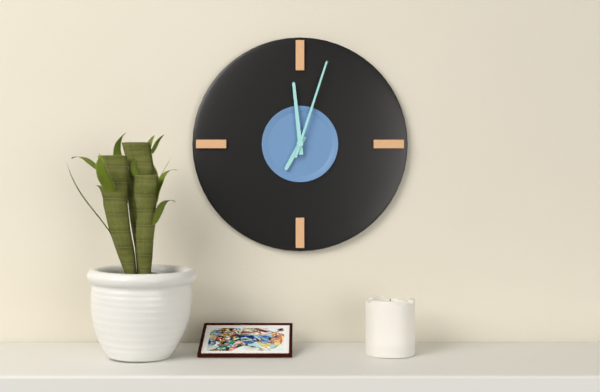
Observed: {"hour": 6, "minute": 59, "second": 3}
